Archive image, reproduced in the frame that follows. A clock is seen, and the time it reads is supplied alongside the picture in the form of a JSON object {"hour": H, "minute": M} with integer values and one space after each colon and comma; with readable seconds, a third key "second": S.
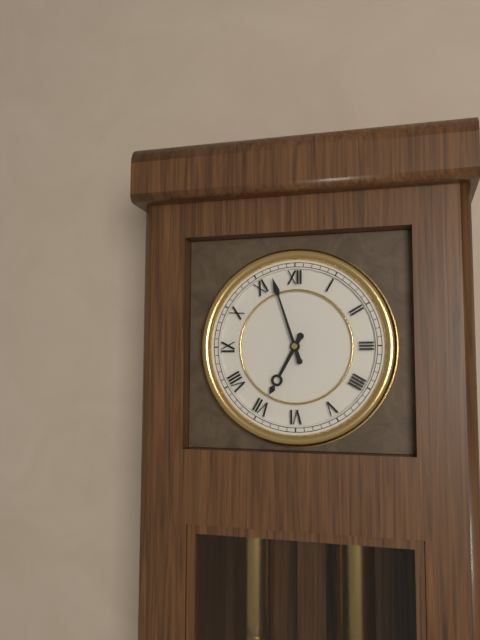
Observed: {"hour": 6, "minute": 57}
